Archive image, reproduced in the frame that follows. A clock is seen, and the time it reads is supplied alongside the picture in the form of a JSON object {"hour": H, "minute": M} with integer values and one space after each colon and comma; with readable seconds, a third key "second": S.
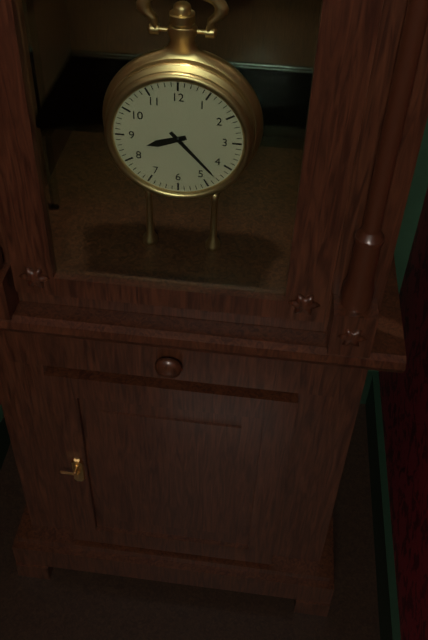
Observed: {"hour": 8, "minute": 23}
